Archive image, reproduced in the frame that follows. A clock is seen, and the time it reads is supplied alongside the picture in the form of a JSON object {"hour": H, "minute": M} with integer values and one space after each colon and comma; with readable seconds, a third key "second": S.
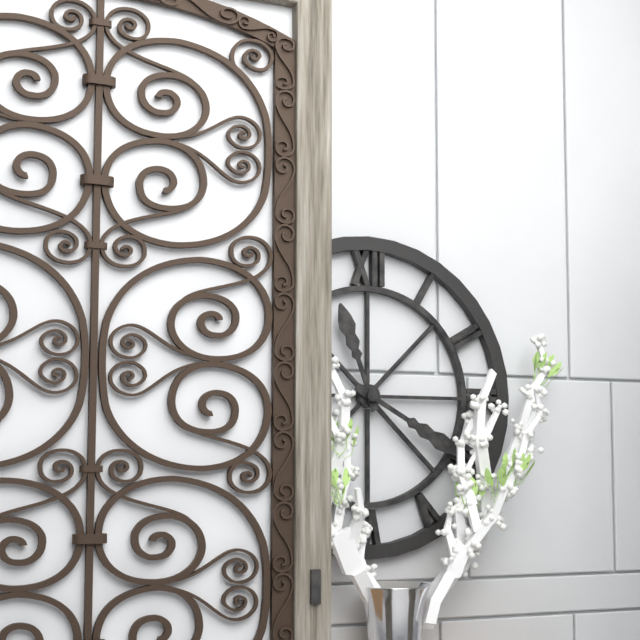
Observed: {"hour": 11, "minute": 20}
